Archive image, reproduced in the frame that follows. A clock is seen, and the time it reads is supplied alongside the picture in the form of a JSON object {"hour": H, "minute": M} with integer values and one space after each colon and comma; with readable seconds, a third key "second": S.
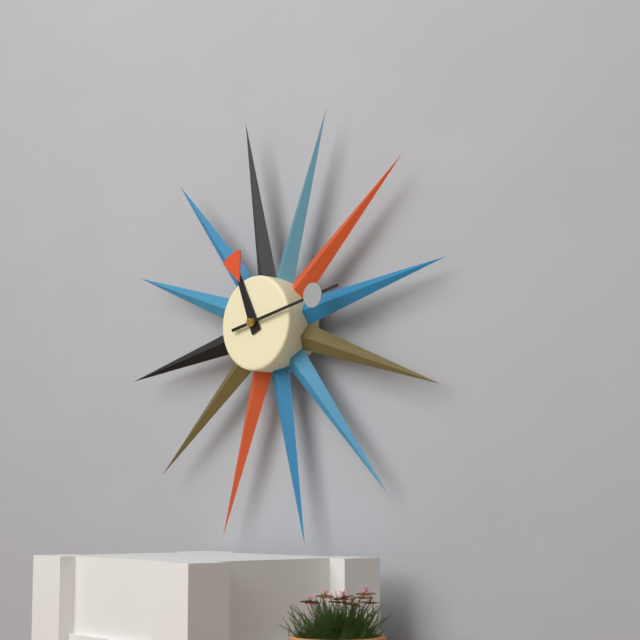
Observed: {"hour": 11, "minute": 13}
